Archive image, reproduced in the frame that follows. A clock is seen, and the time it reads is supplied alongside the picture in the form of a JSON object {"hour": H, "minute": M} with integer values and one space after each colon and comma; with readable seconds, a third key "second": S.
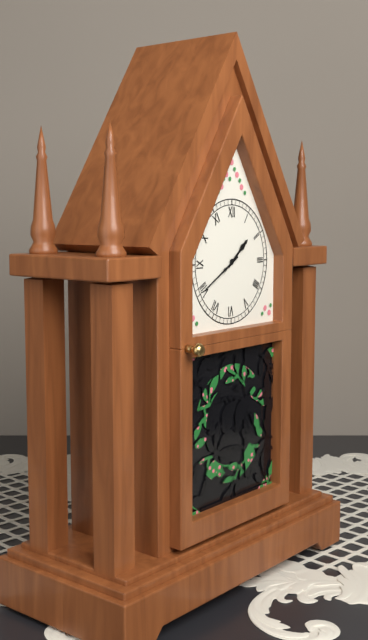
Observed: {"hour": 1, "minute": 40}
